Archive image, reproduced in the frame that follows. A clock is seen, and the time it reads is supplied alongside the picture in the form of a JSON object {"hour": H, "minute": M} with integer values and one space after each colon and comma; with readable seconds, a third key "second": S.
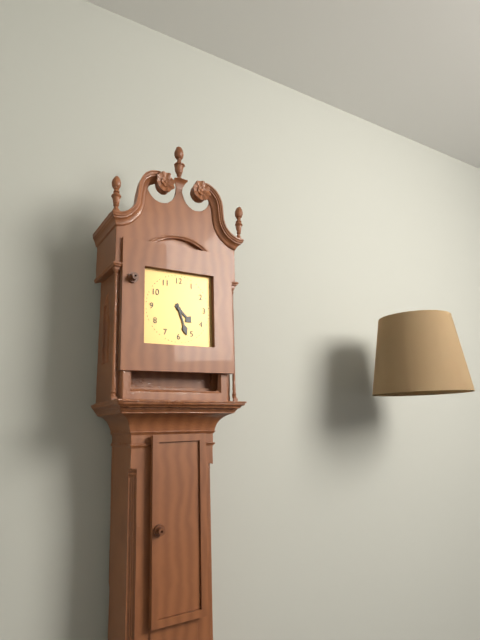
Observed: {"hour": 4, "minute": 27}
